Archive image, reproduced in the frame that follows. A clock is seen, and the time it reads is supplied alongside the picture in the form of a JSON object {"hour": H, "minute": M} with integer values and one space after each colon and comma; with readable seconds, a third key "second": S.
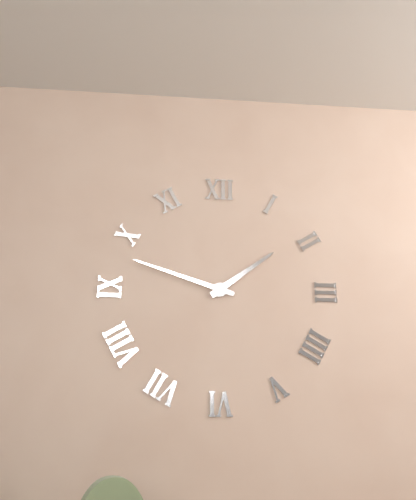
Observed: {"hour": 1, "minute": 48}
